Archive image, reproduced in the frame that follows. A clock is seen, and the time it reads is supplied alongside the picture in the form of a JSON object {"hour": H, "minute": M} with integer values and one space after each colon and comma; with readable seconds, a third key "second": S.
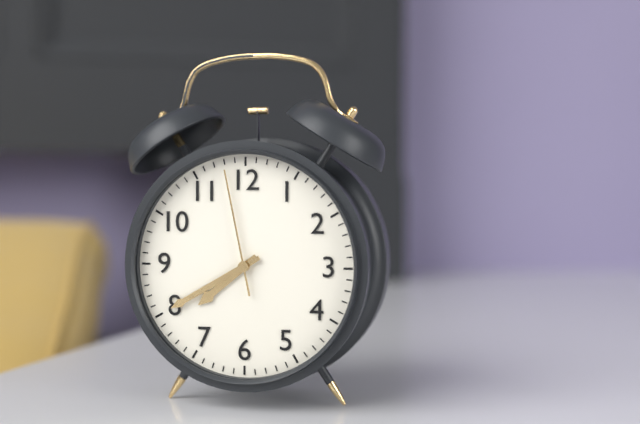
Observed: {"hour": 7, "minute": 40, "second": 58}
